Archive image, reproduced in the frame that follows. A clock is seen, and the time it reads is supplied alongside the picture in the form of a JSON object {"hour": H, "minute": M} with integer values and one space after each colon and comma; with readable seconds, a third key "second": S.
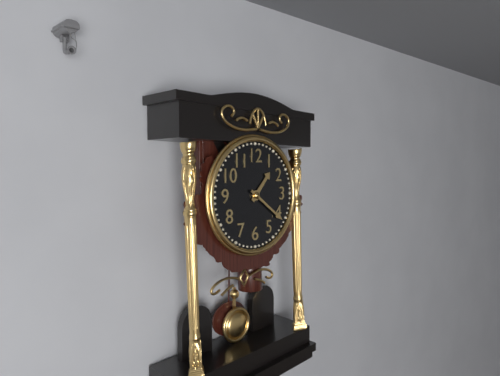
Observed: {"hour": 1, "minute": 21}
